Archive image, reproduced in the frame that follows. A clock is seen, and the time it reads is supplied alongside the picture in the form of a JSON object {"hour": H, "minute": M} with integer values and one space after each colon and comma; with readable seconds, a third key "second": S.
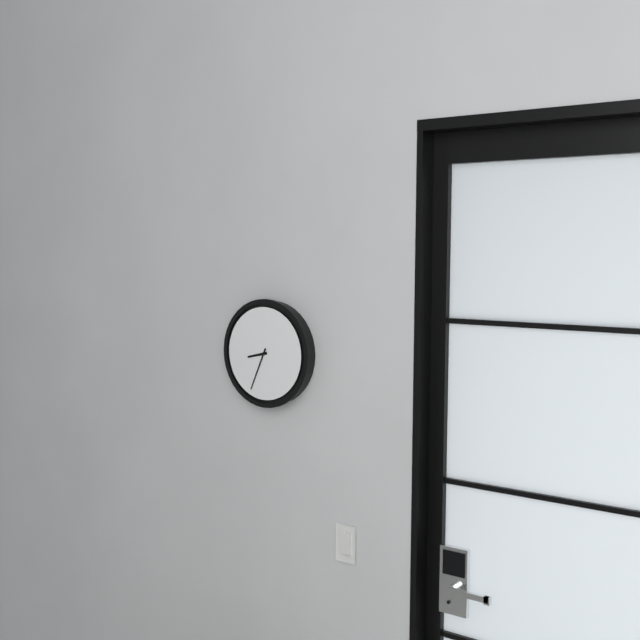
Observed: {"hour": 8, "minute": 34}
